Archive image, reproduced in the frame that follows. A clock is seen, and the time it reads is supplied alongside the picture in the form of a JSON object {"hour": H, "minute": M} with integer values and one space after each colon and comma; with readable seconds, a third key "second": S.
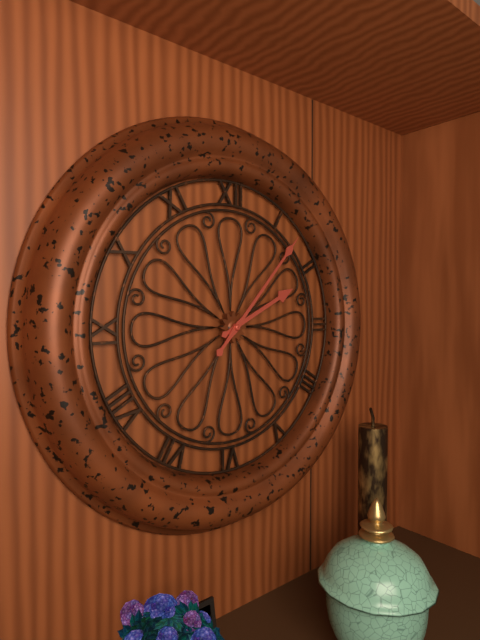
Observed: {"hour": 2, "minute": 7}
